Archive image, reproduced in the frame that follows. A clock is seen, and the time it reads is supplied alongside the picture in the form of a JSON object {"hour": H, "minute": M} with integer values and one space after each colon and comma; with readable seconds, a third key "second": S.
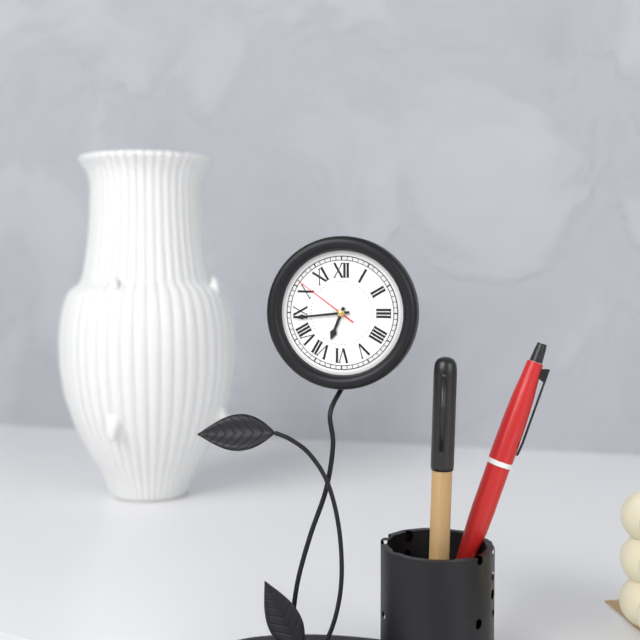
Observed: {"hour": 6, "minute": 44, "second": 51}
